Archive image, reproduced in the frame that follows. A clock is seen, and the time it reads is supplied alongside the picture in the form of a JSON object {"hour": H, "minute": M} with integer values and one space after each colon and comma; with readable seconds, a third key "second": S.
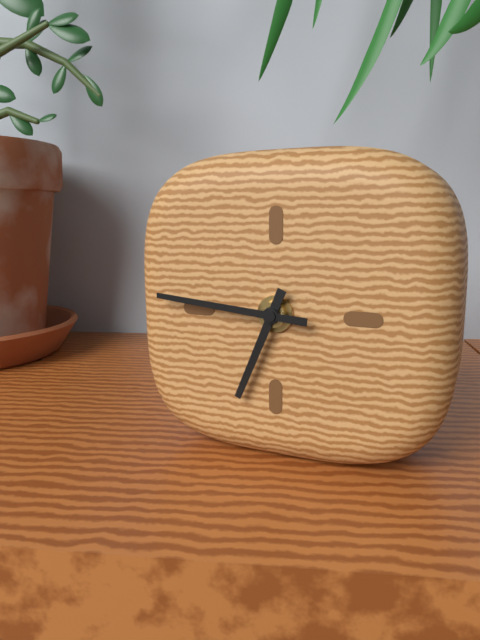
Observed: {"hour": 6, "minute": 46}
